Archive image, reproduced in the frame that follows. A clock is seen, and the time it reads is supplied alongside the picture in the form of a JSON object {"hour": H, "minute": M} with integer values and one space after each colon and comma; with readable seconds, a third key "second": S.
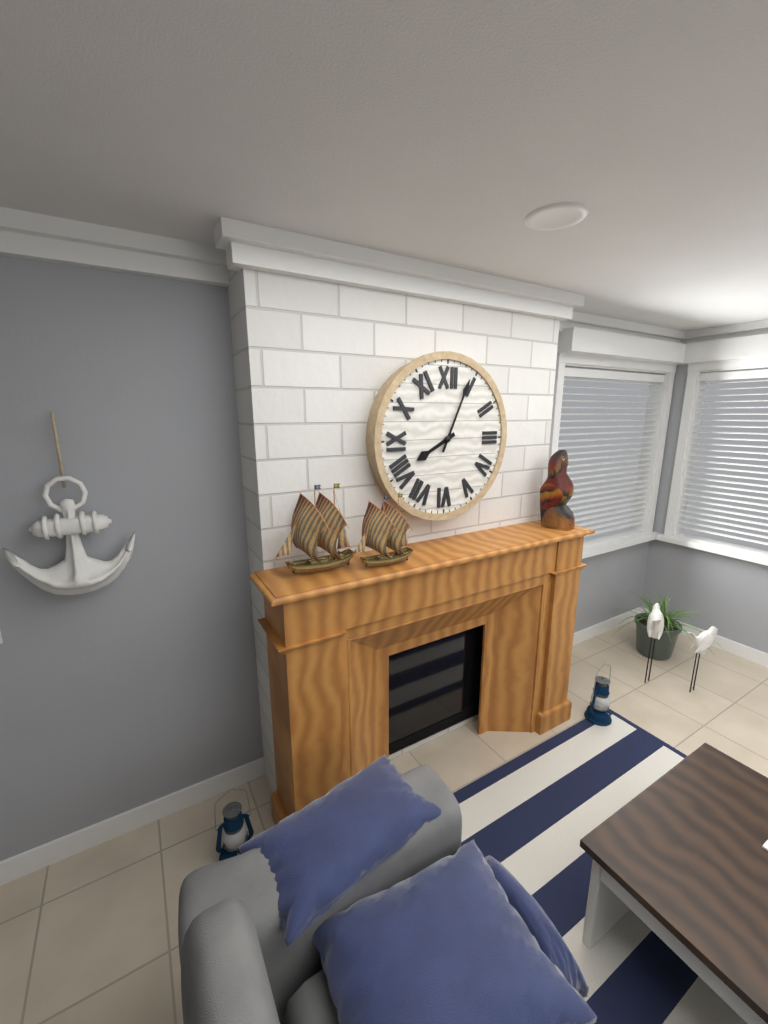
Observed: {"hour": 8, "minute": 4}
